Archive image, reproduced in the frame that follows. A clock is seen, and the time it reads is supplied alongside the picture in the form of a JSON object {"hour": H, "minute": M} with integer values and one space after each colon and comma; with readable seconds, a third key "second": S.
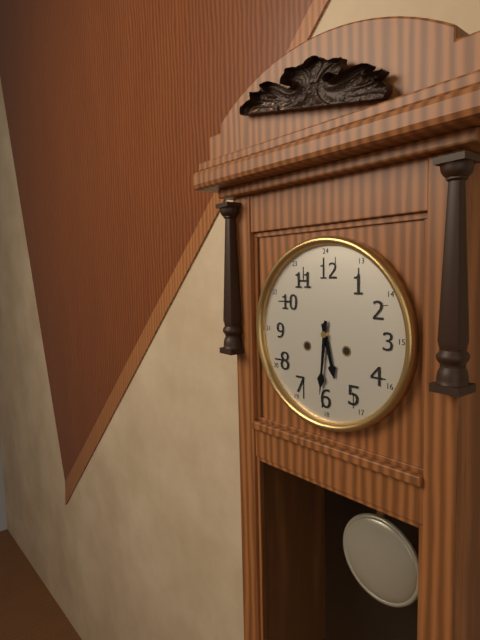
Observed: {"hour": 5, "minute": 31}
